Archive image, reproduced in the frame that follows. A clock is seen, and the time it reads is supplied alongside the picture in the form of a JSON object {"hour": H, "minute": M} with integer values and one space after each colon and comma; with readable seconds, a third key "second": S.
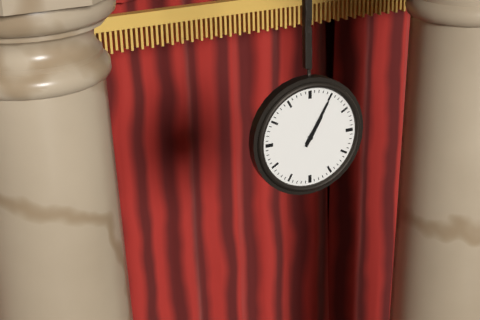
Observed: {"hour": 1, "minute": 5}
